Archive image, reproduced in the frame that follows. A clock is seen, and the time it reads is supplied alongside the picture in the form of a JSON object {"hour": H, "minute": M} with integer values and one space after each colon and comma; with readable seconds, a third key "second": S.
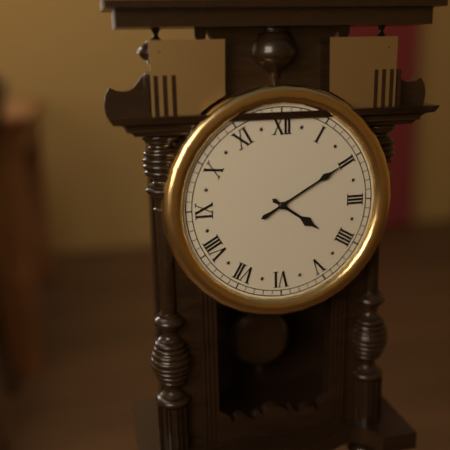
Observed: {"hour": 4, "minute": 10}
